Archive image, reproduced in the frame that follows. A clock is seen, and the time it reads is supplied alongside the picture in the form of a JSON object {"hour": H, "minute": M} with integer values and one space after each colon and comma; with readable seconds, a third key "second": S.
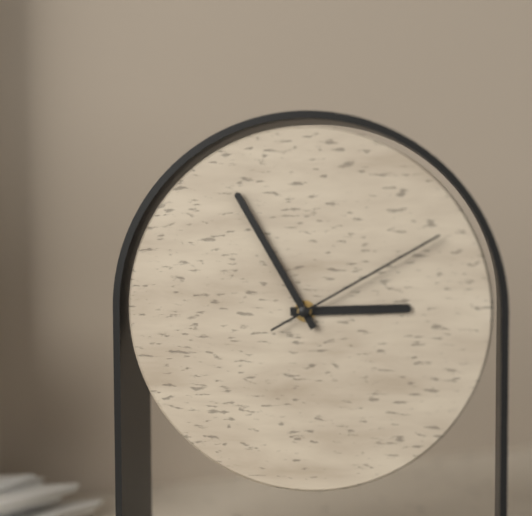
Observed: {"hour": 2, "minute": 55, "second": 10}
